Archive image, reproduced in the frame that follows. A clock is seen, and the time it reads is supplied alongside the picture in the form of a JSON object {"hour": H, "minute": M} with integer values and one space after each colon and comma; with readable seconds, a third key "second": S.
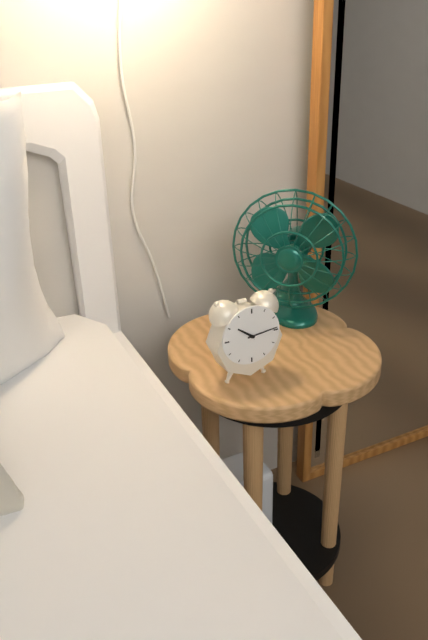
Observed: {"hour": 10, "minute": 14}
